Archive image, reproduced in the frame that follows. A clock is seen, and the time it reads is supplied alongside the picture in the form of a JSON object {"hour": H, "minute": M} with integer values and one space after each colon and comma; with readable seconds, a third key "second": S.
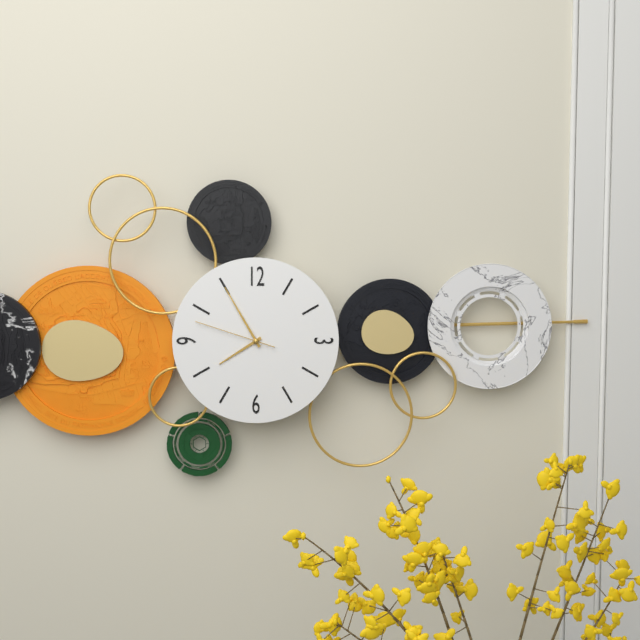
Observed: {"hour": 7, "minute": 55, "second": 48}
